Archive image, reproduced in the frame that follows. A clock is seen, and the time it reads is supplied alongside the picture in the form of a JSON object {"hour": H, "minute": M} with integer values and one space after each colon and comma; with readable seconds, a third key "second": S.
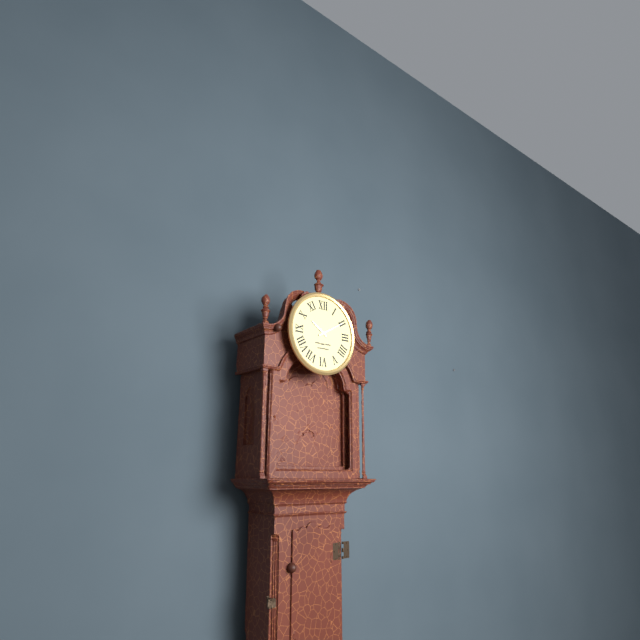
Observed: {"hour": 10, "minute": 10}
